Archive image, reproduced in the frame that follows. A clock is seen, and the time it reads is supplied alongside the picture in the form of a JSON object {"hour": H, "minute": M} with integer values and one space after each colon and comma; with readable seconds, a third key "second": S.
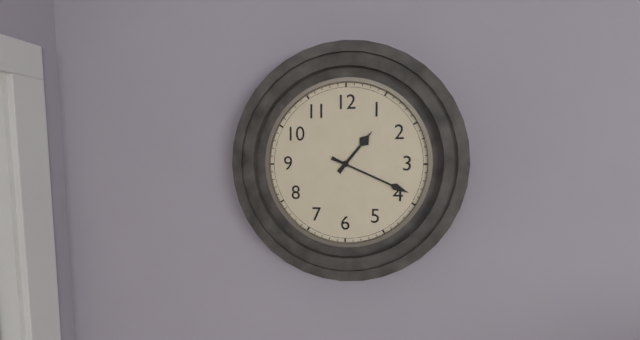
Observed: {"hour": 1, "minute": 19}
